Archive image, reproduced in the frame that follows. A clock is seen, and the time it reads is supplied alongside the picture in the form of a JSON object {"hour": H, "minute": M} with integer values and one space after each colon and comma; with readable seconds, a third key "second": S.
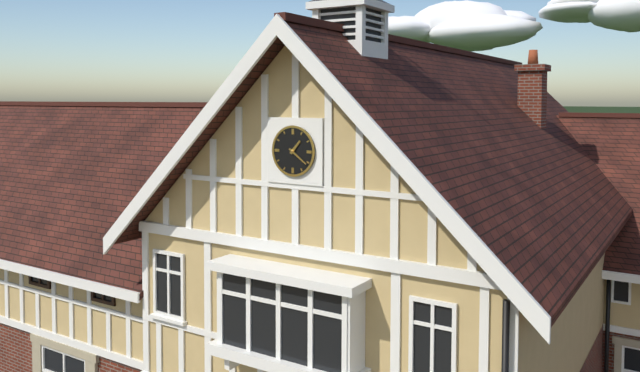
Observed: {"hour": 1, "minute": 21}
